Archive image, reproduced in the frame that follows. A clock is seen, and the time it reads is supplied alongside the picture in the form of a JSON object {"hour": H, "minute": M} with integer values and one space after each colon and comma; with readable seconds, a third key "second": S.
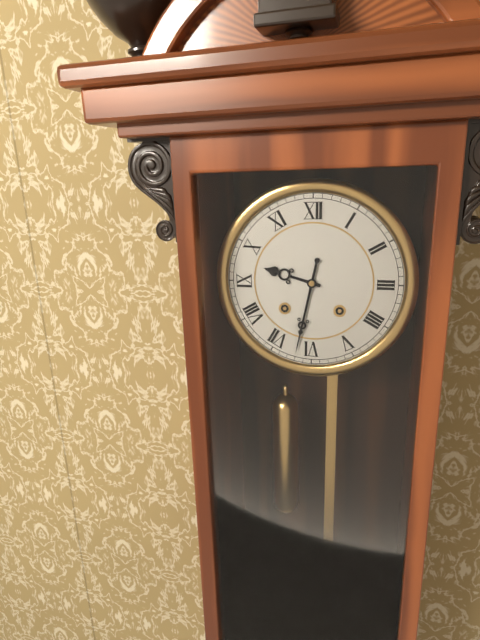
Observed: {"hour": 9, "minute": 32}
